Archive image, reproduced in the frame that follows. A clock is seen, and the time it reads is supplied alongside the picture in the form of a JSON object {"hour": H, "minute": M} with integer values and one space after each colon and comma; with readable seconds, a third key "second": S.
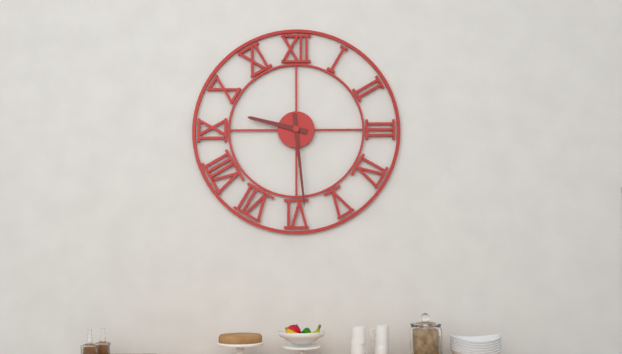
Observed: {"hour": 9, "minute": 29}
